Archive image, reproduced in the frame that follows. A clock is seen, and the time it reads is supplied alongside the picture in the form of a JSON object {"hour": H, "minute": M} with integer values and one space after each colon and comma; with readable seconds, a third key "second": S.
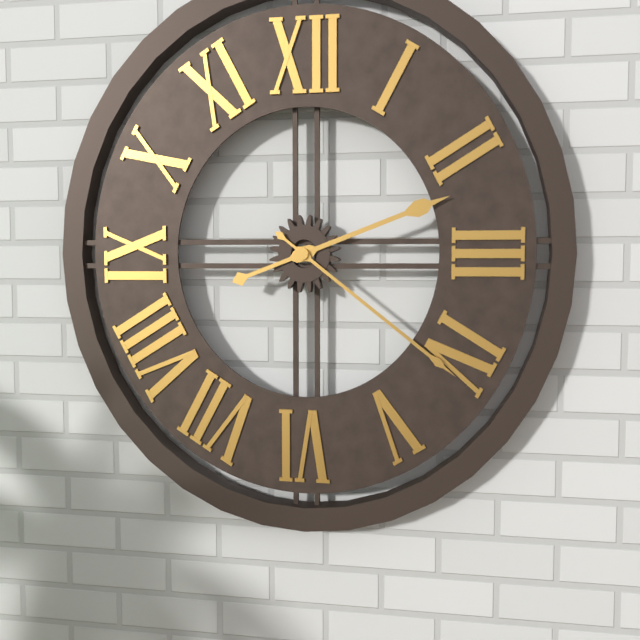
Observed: {"hour": 2, "minute": 21}
